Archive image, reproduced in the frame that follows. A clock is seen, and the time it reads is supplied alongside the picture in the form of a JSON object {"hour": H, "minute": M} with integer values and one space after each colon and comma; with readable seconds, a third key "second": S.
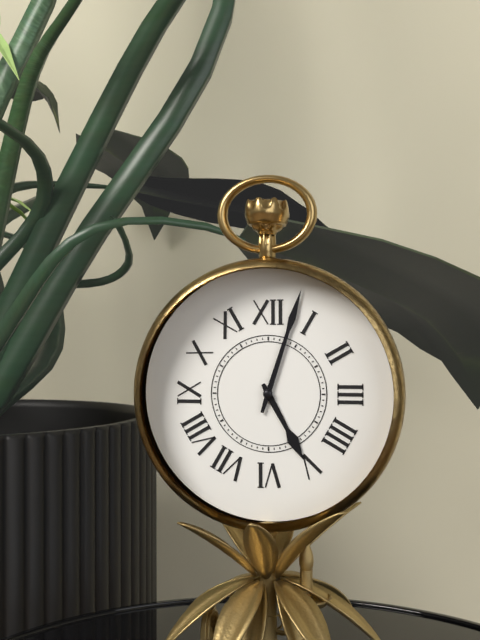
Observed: {"hour": 5, "minute": 3}
